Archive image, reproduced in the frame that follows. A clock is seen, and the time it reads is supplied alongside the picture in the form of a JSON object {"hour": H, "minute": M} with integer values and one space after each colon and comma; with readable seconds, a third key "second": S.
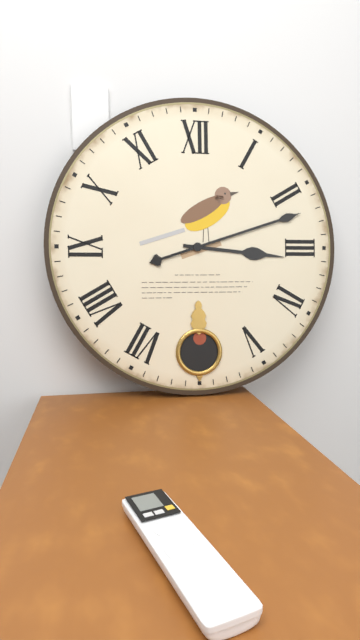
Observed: {"hour": 3, "minute": 12}
